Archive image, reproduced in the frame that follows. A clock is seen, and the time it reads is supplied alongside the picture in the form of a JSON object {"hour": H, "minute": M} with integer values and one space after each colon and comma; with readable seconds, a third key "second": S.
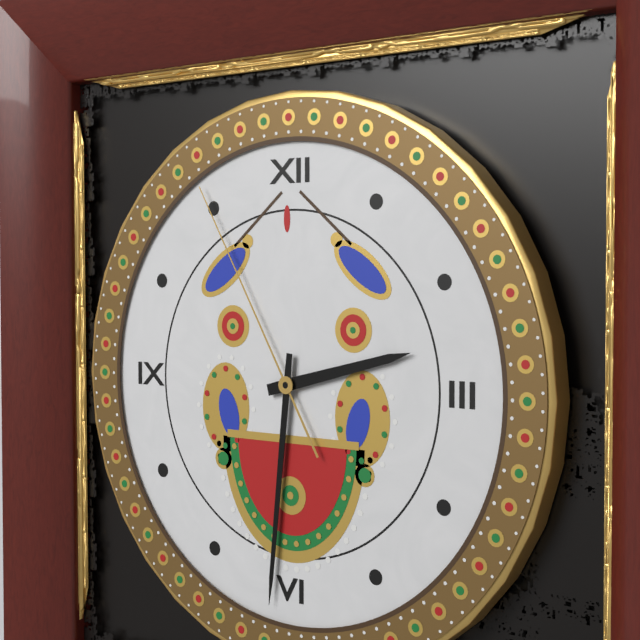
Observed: {"hour": 2, "minute": 31, "second": 55}
